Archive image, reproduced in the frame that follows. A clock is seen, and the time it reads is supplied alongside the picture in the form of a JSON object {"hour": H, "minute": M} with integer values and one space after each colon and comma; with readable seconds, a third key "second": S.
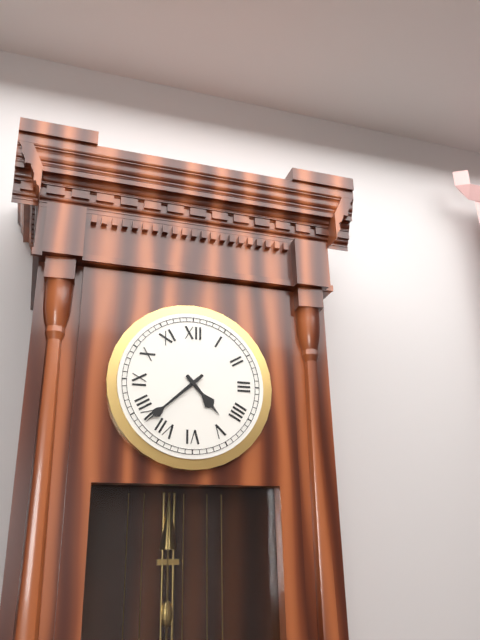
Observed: {"hour": 4, "minute": 38}
